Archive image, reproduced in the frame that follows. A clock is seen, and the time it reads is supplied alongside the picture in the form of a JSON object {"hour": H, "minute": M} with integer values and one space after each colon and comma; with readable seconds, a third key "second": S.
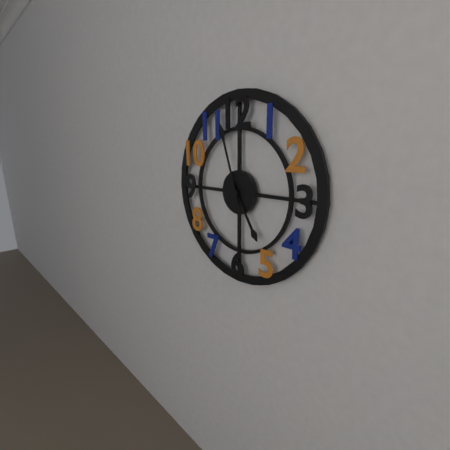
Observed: {"hour": 4, "minute": 57}
